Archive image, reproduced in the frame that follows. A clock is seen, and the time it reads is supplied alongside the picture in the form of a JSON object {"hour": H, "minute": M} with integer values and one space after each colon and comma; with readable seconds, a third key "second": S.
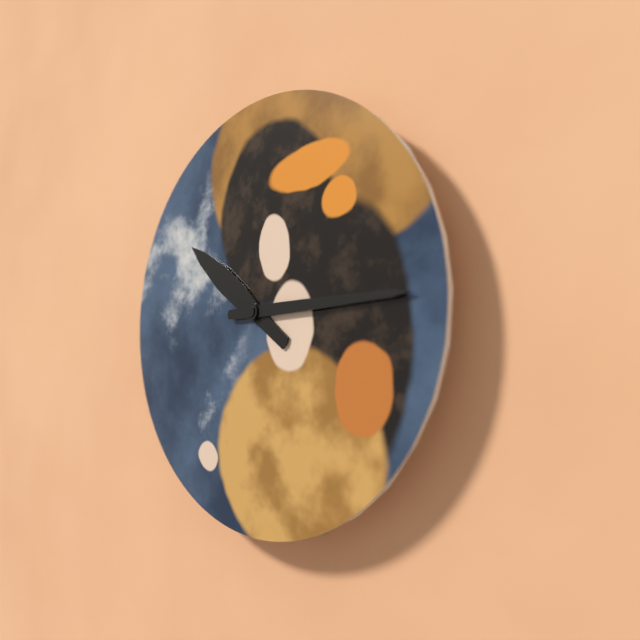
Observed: {"hour": 10, "minute": 15}
